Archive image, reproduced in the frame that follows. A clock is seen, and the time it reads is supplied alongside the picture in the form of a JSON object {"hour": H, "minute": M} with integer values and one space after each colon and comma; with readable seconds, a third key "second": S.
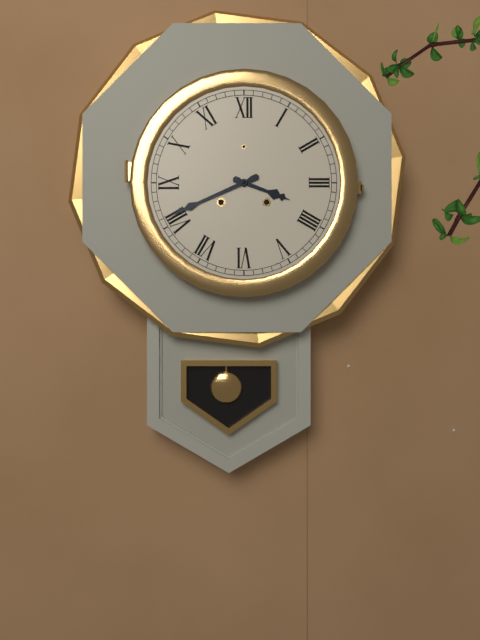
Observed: {"hour": 3, "minute": 41}
